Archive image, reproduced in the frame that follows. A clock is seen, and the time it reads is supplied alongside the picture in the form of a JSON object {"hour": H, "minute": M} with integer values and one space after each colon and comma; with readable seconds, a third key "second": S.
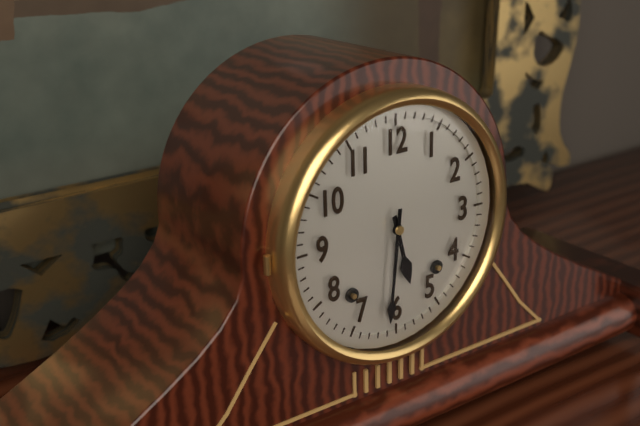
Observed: {"hour": 5, "minute": 31}
